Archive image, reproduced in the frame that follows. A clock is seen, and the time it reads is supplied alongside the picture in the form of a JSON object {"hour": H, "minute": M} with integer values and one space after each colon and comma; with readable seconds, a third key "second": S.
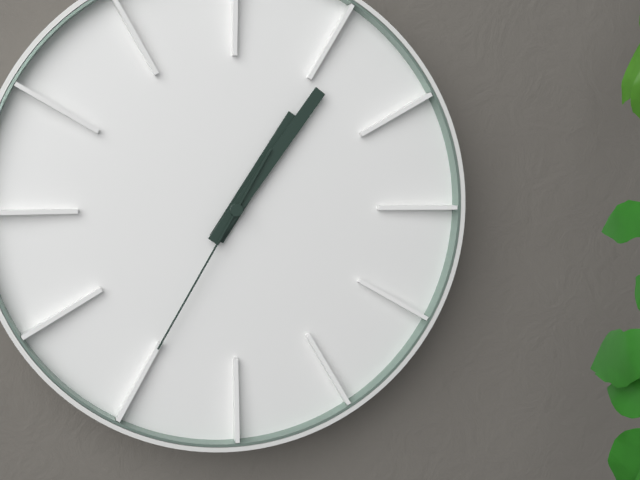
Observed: {"hour": 1, "minute": 6, "second": 35}
